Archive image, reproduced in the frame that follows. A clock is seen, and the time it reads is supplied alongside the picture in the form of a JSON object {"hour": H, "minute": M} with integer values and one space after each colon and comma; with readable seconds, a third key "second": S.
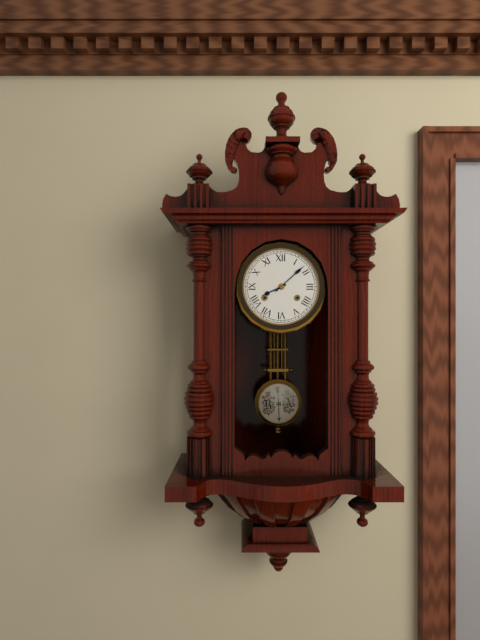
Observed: {"hour": 8, "minute": 8}
